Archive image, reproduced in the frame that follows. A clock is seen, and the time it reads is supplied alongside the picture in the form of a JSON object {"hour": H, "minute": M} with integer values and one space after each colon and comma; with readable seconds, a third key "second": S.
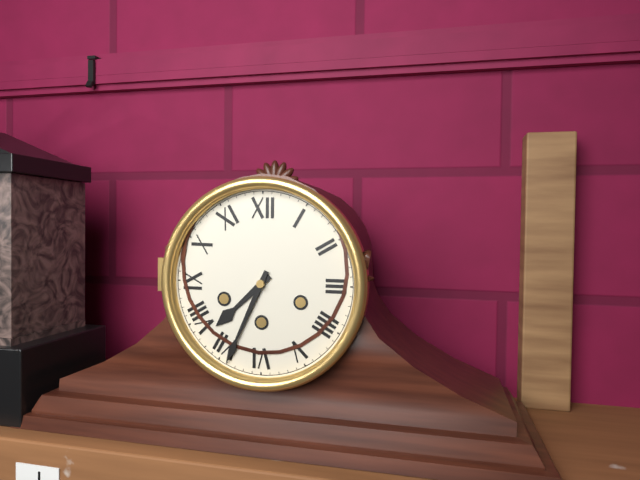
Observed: {"hour": 7, "minute": 34}
